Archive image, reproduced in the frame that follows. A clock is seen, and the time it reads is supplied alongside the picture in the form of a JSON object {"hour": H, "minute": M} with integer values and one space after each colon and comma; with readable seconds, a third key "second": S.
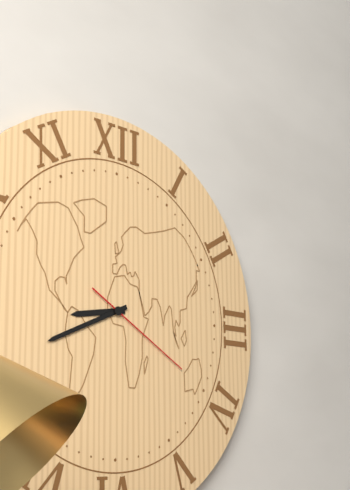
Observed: {"hour": 8, "minute": 41, "second": 20}
